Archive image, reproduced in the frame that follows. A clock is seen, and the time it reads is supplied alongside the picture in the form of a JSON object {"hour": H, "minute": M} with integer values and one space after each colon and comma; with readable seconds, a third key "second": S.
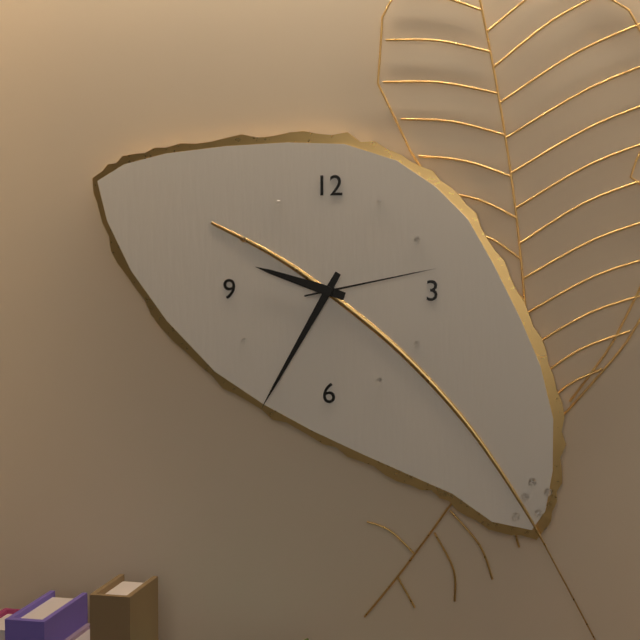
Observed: {"hour": 9, "minute": 35, "second": 13}
